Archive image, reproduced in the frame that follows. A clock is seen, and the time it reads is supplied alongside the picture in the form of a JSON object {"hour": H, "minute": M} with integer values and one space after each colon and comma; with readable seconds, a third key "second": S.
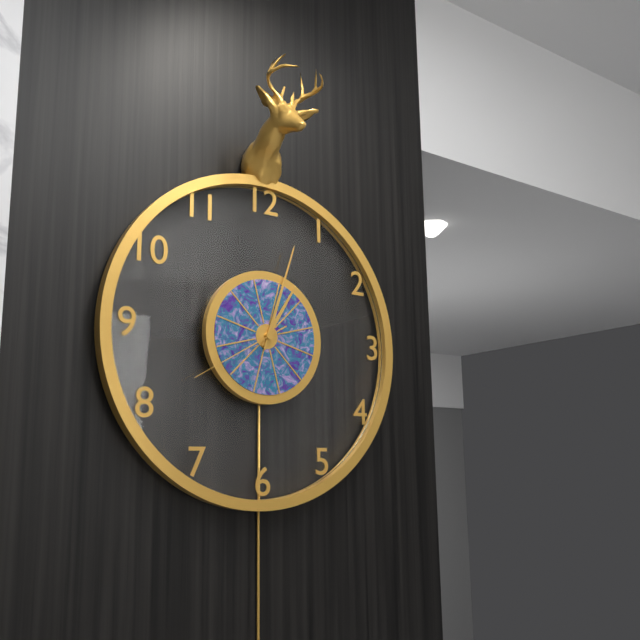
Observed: {"hour": 1, "minute": 3, "second": 40}
